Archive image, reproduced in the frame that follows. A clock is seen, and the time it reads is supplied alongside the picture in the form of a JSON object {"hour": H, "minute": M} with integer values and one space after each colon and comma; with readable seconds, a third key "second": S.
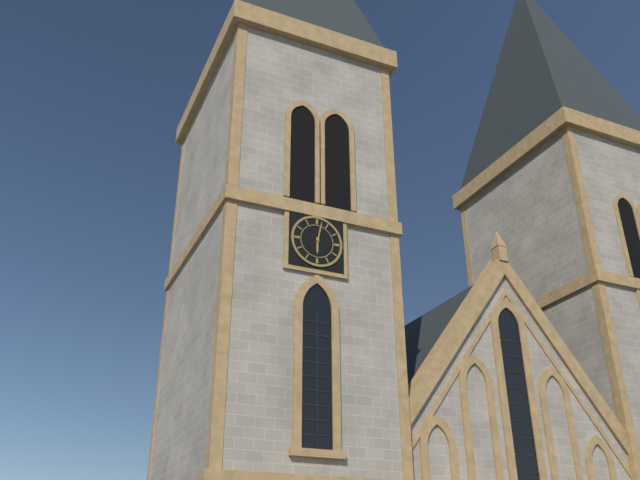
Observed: {"hour": 6, "minute": 2}
